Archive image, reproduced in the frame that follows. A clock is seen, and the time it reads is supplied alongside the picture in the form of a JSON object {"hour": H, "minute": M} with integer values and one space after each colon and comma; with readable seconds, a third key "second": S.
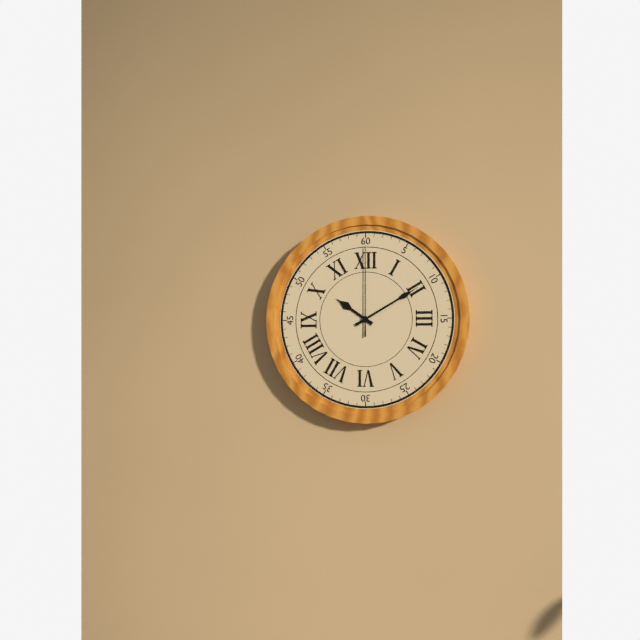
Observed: {"hour": 10, "minute": 10, "second": 0}
